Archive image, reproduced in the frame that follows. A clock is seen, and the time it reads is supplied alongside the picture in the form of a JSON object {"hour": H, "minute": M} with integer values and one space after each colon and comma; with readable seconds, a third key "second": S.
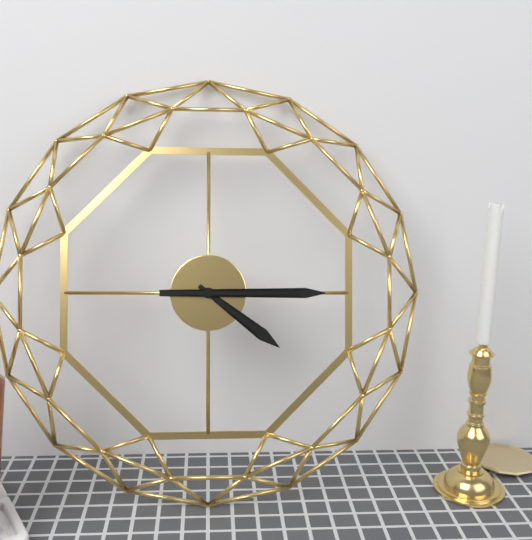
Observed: {"hour": 4, "minute": 15}
